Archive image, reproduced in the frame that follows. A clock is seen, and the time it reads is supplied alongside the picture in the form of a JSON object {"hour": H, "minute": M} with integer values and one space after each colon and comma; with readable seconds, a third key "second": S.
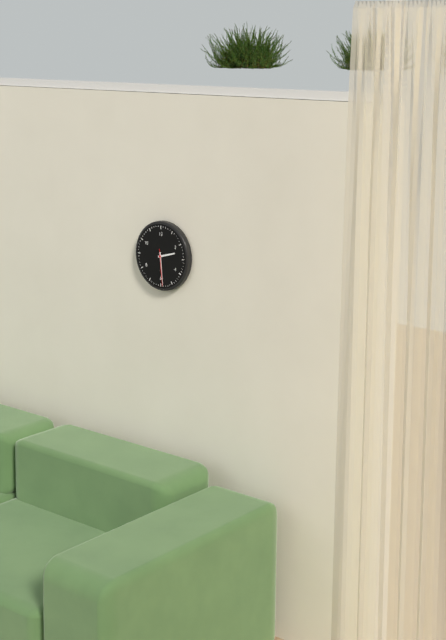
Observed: {"hour": 2, "minute": 29}
